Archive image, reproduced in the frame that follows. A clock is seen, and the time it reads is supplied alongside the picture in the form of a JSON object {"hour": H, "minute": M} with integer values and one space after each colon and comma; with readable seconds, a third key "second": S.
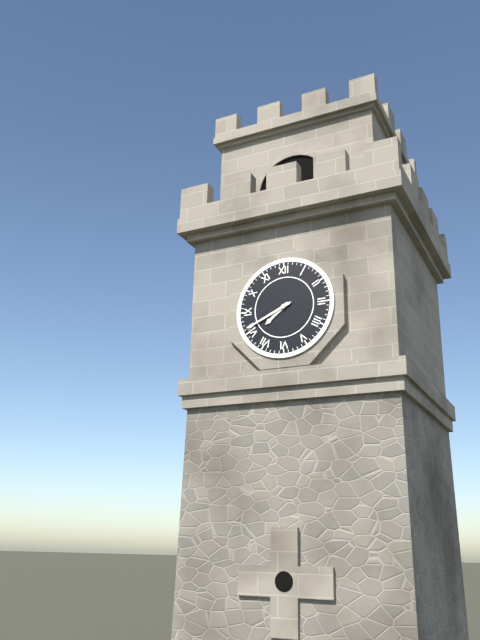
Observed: {"hour": 7, "minute": 41}
